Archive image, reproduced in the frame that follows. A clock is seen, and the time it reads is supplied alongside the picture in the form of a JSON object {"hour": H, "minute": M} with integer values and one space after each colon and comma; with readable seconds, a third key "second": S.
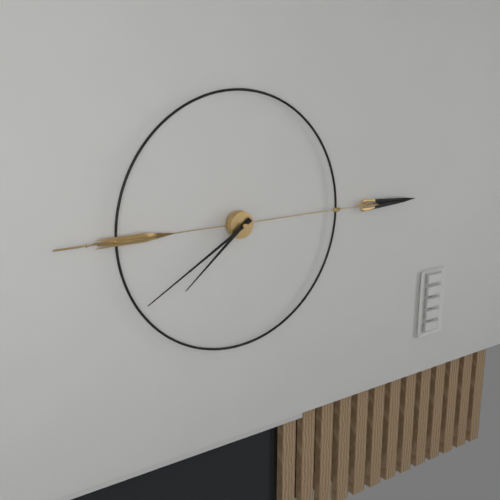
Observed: {"hour": 7, "minute": 40}
